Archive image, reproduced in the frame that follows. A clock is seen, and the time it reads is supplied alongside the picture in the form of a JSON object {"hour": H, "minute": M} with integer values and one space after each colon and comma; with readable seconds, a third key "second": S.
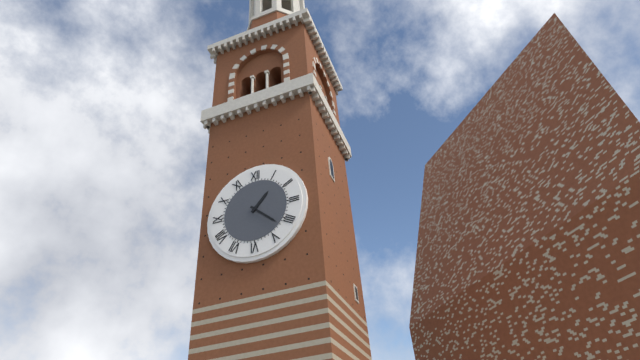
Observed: {"hour": 1, "minute": 22}
